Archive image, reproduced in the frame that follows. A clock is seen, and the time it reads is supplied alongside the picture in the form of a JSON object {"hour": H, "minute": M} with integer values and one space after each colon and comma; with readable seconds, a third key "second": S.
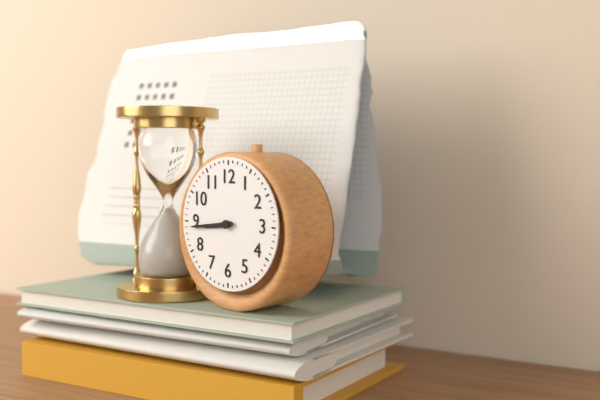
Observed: {"hour": 8, "minute": 44}
